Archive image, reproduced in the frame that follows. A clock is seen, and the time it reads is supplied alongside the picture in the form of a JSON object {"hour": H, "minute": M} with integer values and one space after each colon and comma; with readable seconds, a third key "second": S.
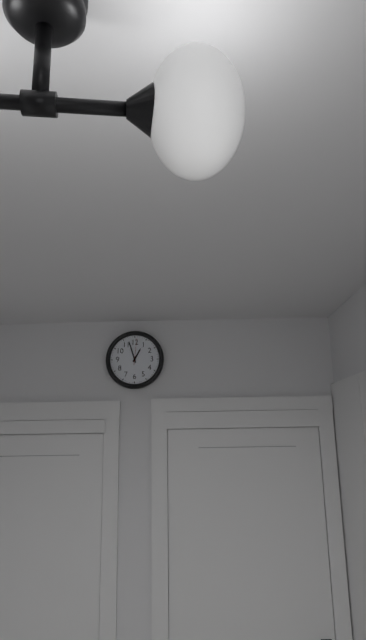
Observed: {"hour": 12, "minute": 57}
